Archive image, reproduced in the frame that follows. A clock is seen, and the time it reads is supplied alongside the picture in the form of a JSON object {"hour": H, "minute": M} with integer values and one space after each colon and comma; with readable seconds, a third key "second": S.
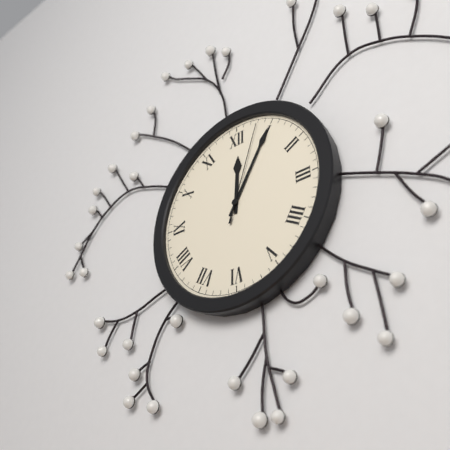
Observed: {"hour": 12, "minute": 5, "second": 3}
